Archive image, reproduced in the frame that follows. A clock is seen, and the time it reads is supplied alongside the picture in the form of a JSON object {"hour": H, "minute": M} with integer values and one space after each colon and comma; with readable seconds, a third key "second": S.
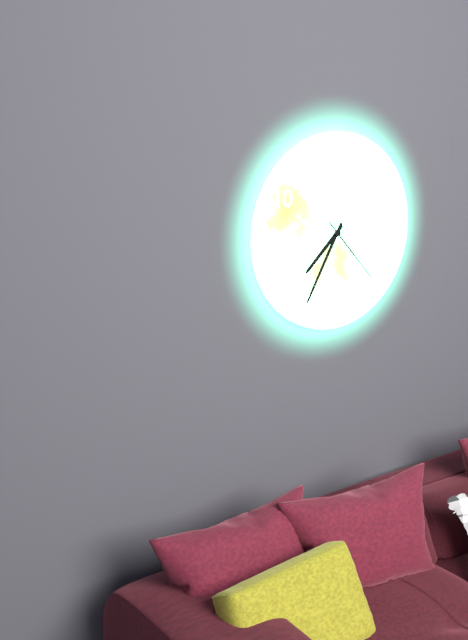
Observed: {"hour": 7, "minute": 35, "second": 23}
